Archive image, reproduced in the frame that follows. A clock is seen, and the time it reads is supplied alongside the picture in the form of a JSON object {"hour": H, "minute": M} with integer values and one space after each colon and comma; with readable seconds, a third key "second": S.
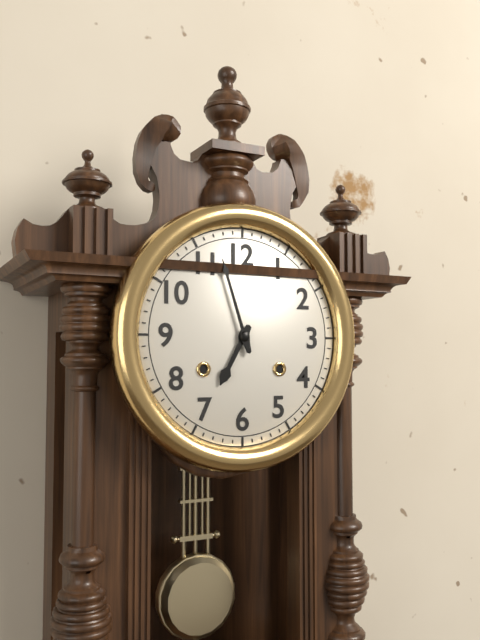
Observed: {"hour": 6, "minute": 57}
